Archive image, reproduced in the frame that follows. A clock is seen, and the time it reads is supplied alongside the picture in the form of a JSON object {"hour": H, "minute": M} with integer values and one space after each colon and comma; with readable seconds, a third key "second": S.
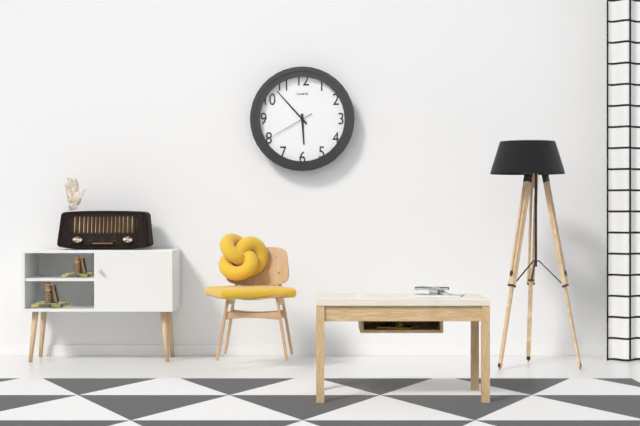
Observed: {"hour": 5, "minute": 53, "second": 40}
